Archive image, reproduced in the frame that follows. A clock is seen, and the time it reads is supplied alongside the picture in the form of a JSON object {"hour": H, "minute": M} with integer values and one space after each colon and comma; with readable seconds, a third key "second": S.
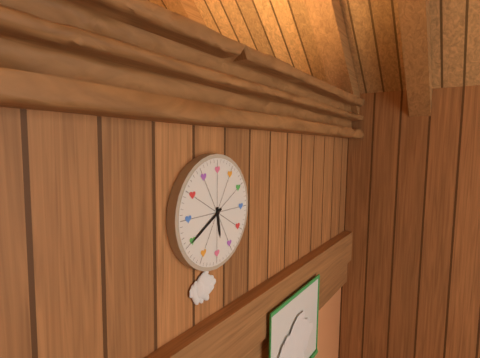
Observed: {"hour": 5, "minute": 40}
